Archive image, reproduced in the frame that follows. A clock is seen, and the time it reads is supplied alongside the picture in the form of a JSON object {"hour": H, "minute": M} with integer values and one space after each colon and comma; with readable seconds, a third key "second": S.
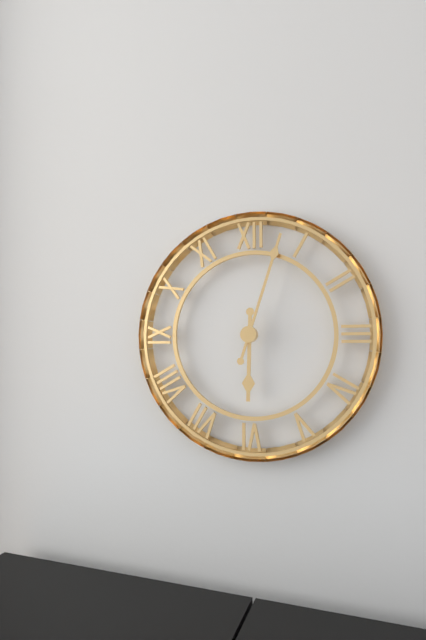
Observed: {"hour": 6, "minute": 3}
